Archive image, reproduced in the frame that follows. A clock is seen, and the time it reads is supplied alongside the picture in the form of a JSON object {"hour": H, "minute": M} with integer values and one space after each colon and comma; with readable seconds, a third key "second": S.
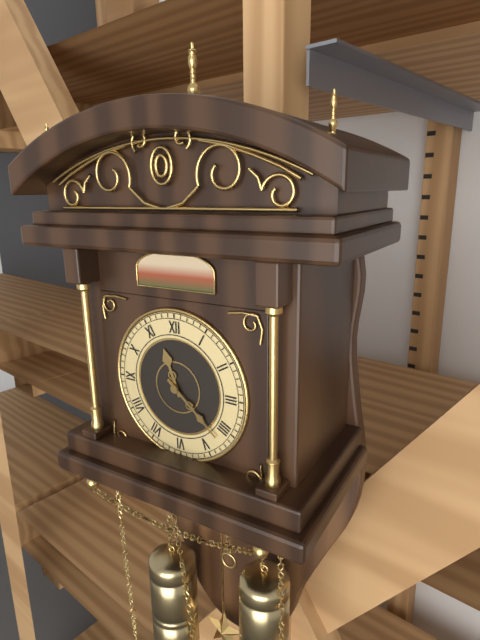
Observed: {"hour": 11, "minute": 22}
